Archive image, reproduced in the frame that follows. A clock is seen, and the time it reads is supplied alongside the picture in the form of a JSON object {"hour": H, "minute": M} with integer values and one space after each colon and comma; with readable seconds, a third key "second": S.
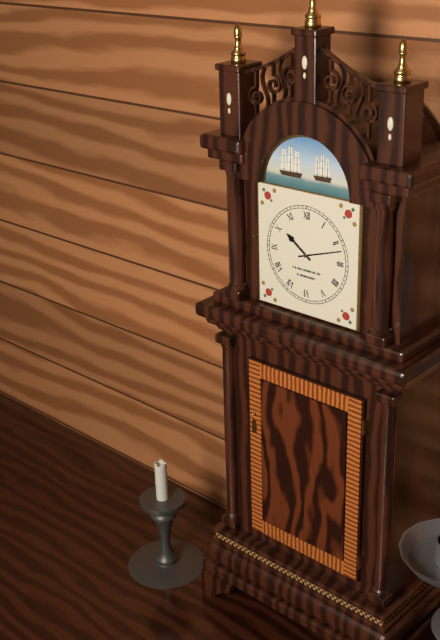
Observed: {"hour": 10, "minute": 12}
